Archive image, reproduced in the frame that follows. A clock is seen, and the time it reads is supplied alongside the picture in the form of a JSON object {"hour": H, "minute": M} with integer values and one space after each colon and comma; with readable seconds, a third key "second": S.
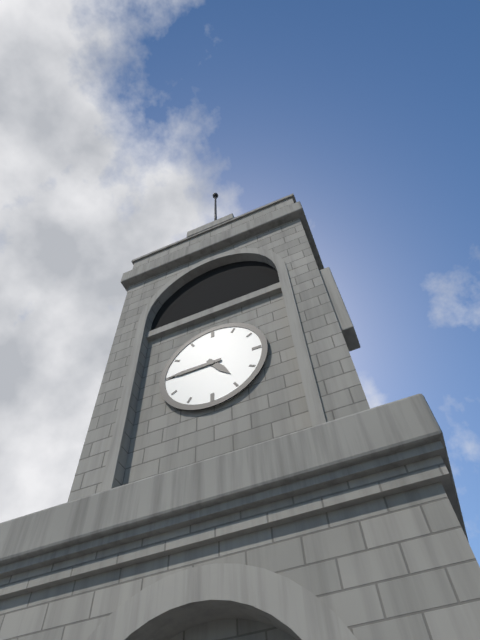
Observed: {"hour": 4, "minute": 45}
